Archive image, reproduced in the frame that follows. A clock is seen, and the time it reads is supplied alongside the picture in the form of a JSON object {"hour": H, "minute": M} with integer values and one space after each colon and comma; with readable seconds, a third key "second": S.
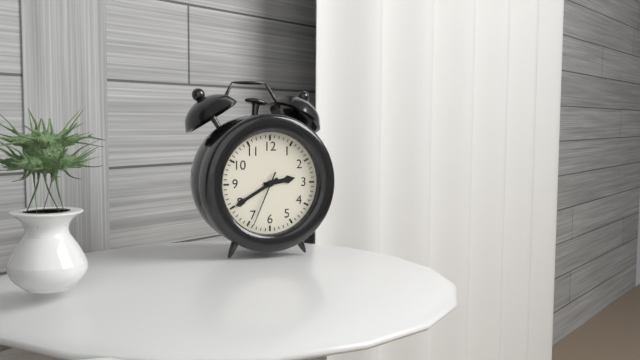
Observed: {"hour": 2, "minute": 40, "second": 34}
